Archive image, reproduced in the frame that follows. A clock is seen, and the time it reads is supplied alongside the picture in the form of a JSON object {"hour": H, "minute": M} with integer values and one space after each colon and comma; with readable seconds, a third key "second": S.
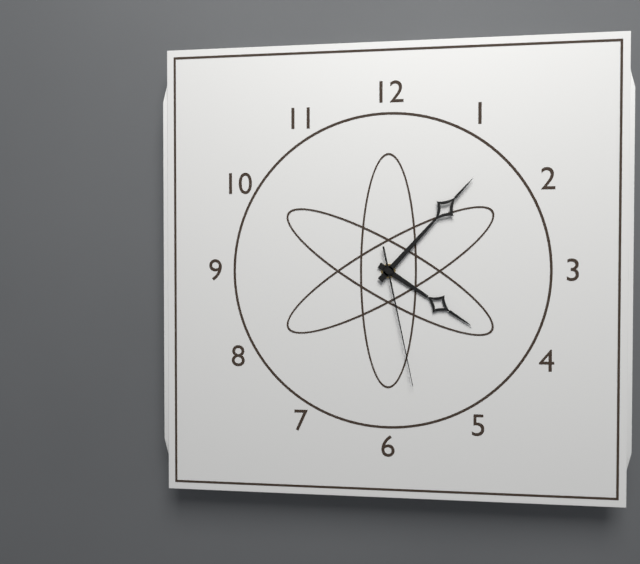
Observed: {"hour": 4, "minute": 7, "second": 28}
